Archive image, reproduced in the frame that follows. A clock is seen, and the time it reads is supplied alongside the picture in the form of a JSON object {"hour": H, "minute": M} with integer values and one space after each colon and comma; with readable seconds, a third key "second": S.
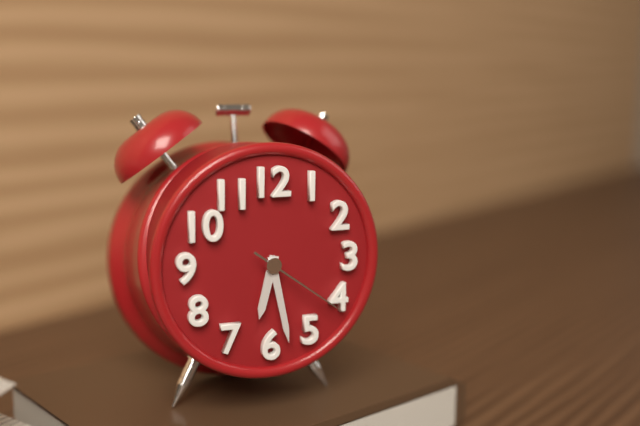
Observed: {"hour": 6, "minute": 28, "second": 21}
